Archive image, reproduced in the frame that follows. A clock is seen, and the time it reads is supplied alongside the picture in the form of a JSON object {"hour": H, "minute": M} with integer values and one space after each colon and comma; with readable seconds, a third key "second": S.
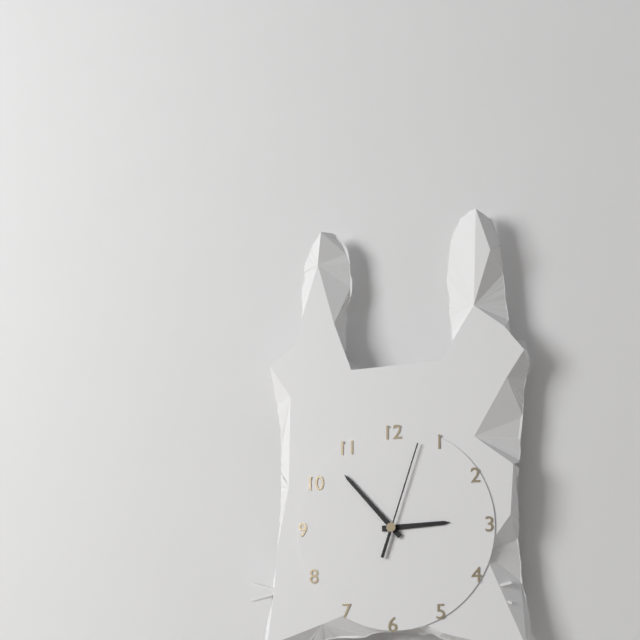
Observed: {"hour": 2, "minute": 53, "second": 3}
